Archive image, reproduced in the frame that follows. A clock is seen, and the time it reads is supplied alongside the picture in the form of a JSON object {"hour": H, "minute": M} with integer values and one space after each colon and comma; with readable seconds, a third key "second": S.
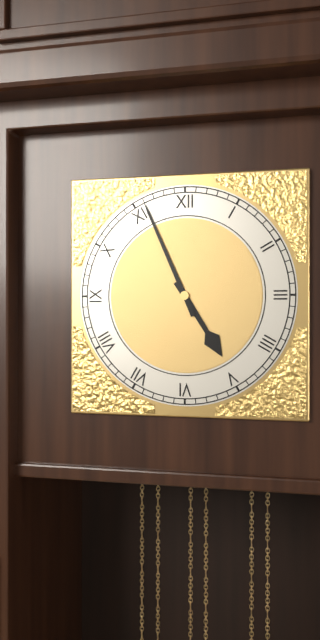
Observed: {"hour": 4, "minute": 56}
